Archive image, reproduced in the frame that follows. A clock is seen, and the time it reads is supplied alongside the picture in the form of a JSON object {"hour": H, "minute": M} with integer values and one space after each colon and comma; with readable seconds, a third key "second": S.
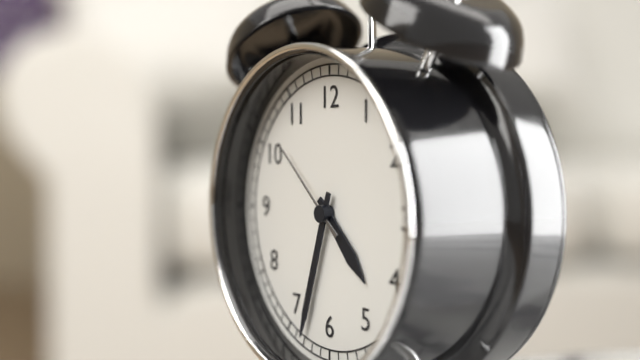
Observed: {"hour": 4, "minute": 33, "second": 52}
